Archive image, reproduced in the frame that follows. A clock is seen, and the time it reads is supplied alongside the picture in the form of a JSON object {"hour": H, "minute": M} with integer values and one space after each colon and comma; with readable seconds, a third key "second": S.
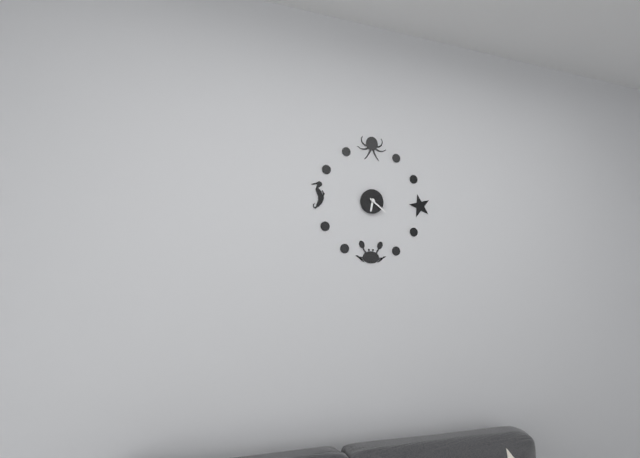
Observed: {"hour": 6, "minute": 21}
